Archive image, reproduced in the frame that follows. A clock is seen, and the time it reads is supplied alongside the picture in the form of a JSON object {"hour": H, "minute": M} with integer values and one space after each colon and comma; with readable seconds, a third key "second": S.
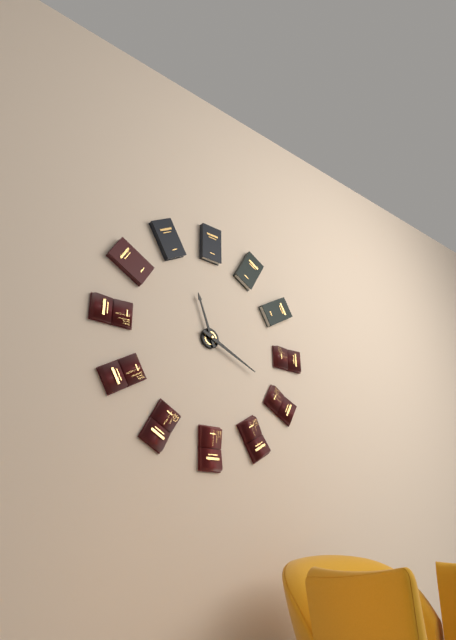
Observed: {"hour": 11, "minute": 19}
